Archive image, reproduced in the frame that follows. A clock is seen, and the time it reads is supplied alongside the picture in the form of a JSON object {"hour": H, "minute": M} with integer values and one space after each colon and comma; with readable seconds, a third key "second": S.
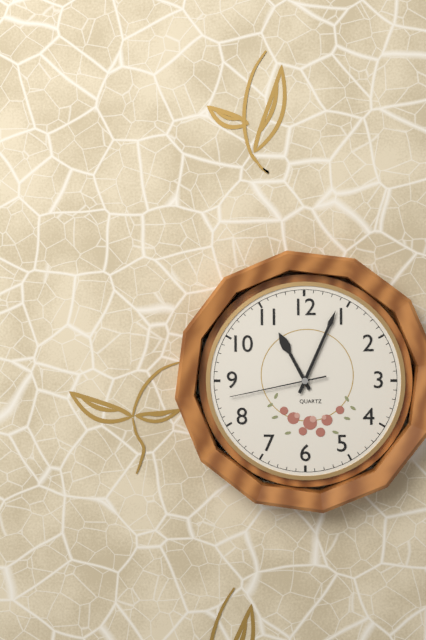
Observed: {"hour": 11, "minute": 4, "second": 43}
